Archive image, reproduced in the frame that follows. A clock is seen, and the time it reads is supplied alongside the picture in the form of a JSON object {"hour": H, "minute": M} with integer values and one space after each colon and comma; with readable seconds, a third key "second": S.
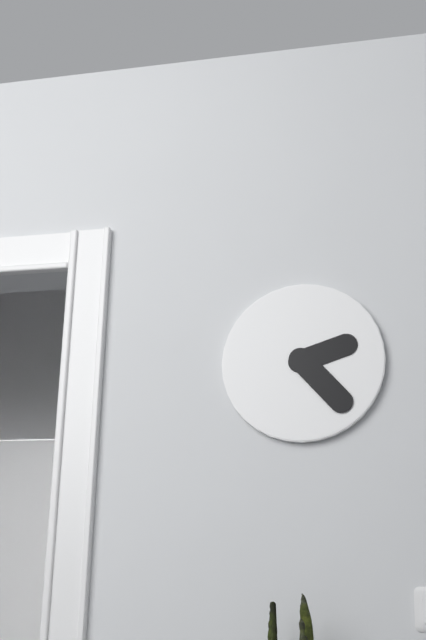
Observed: {"hour": 2, "minute": 23}
